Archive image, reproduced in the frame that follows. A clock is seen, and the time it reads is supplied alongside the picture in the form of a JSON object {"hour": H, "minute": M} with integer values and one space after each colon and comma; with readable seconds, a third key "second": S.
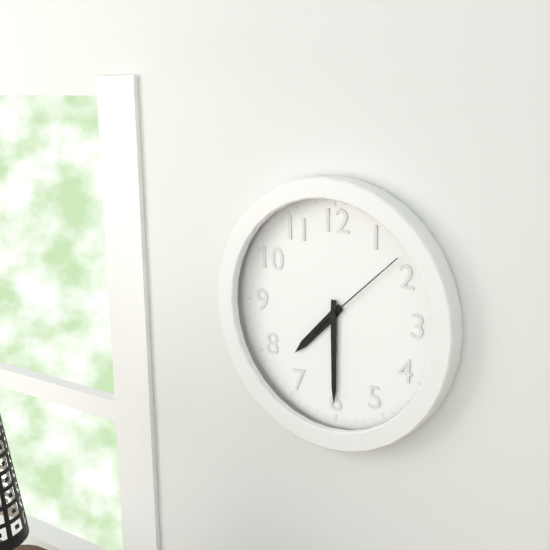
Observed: {"hour": 7, "minute": 30, "second": 8}
